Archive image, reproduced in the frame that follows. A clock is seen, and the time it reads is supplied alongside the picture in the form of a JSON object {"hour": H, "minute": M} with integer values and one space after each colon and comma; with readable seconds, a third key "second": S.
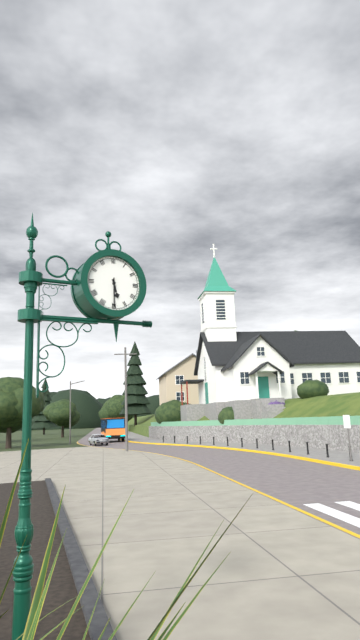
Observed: {"hour": 5, "minute": 30}
